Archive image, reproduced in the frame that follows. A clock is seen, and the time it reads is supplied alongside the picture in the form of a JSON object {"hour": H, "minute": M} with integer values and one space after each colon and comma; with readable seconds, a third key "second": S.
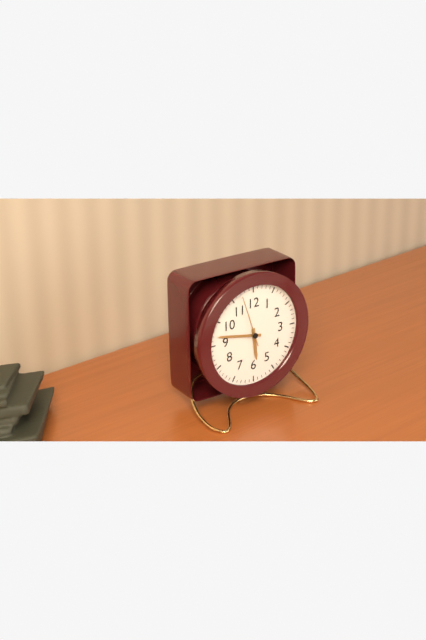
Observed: {"hour": 5, "minute": 47, "second": 57}
